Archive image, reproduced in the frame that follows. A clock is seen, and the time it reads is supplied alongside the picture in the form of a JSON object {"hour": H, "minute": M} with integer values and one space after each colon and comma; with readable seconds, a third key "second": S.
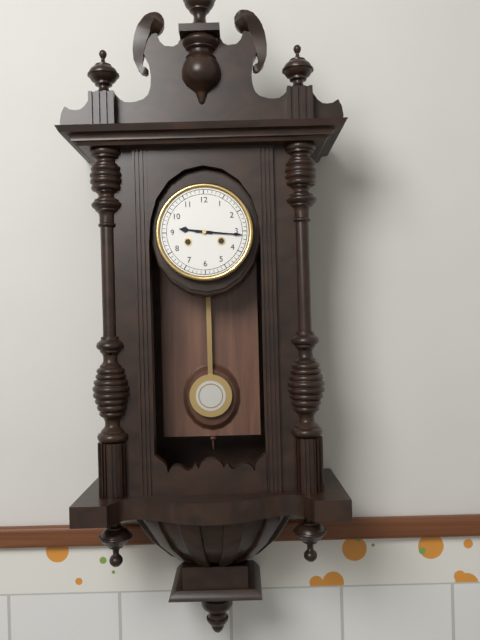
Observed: {"hour": 9, "minute": 16}
